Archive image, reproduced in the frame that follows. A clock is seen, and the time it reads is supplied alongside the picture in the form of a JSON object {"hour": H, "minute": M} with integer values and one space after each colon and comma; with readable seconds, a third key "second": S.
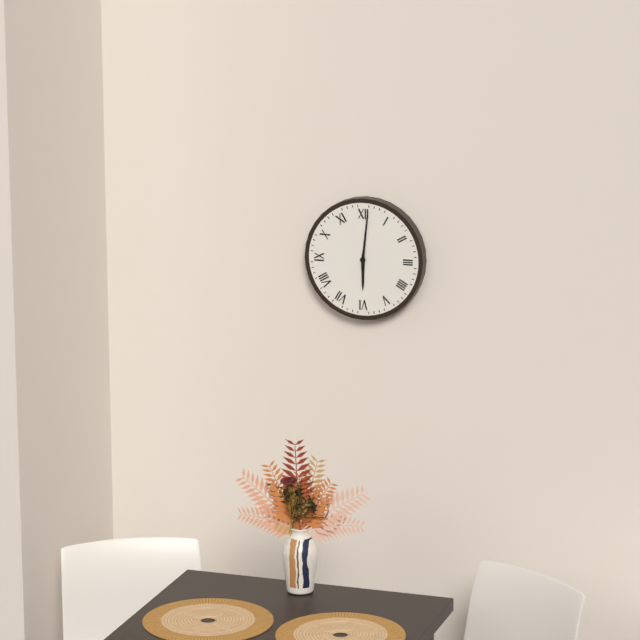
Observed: {"hour": 6, "minute": 1}
